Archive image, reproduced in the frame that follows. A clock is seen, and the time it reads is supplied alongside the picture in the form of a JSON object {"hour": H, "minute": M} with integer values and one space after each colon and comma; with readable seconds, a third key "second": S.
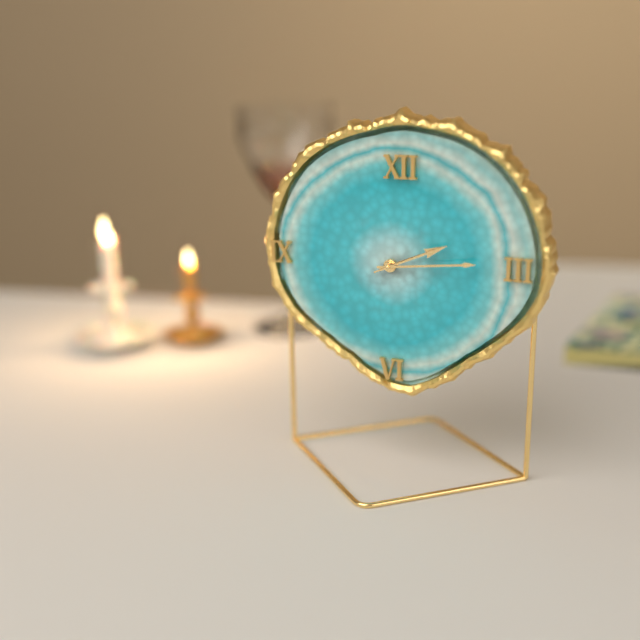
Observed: {"hour": 2, "minute": 14, "second": 11}
